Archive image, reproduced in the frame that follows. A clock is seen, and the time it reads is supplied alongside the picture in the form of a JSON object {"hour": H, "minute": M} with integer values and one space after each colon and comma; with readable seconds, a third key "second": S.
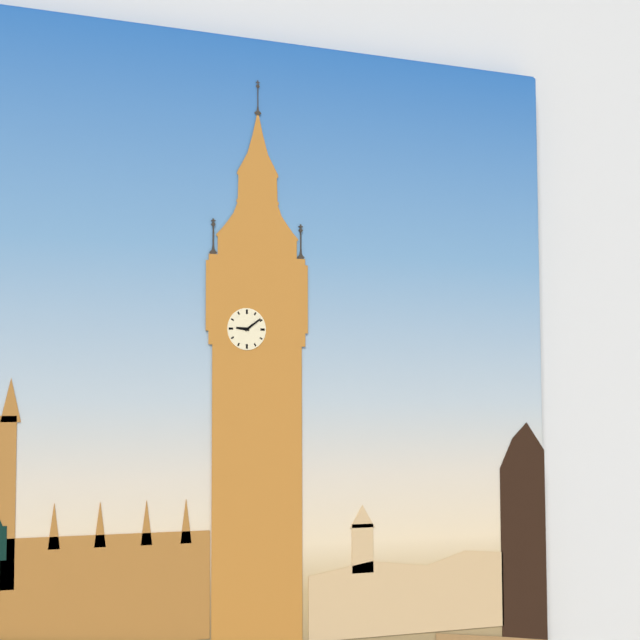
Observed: {"hour": 9, "minute": 9}
